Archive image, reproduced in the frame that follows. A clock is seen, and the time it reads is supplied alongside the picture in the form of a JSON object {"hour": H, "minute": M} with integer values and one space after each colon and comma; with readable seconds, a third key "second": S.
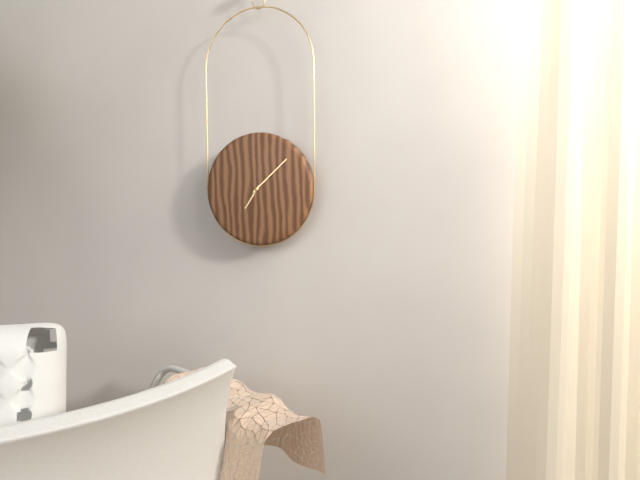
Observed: {"hour": 7, "minute": 8}
